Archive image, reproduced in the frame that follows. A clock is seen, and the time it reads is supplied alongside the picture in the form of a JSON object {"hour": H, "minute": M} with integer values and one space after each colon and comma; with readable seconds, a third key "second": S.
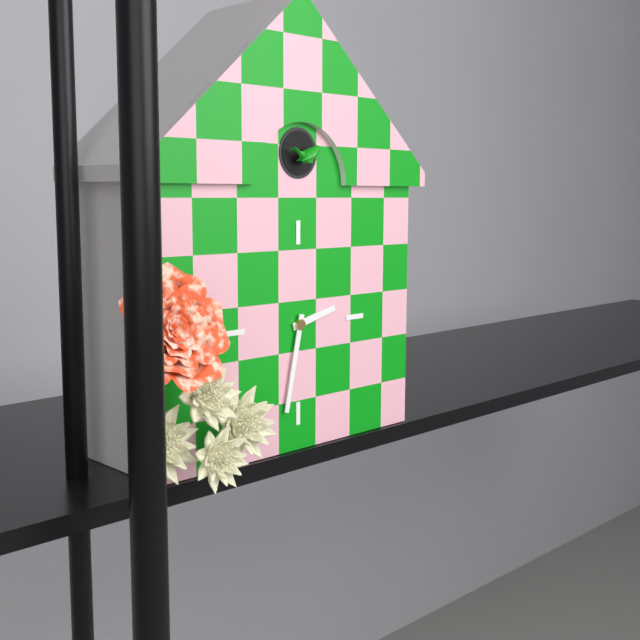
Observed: {"hour": 2, "minute": 32}
